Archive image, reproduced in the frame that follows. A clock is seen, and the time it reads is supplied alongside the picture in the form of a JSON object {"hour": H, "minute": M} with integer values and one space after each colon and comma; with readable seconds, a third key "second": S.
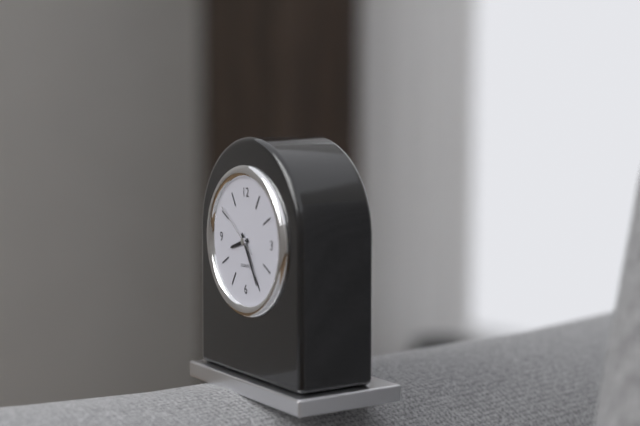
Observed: {"hour": 8, "minute": 25, "second": 51}
